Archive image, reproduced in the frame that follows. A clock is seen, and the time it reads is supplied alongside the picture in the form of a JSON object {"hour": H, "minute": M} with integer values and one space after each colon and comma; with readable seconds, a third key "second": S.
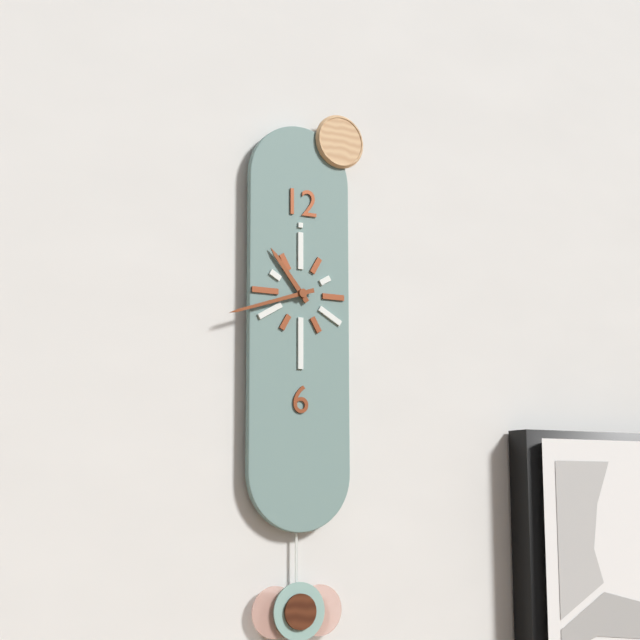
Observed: {"hour": 10, "minute": 42}
